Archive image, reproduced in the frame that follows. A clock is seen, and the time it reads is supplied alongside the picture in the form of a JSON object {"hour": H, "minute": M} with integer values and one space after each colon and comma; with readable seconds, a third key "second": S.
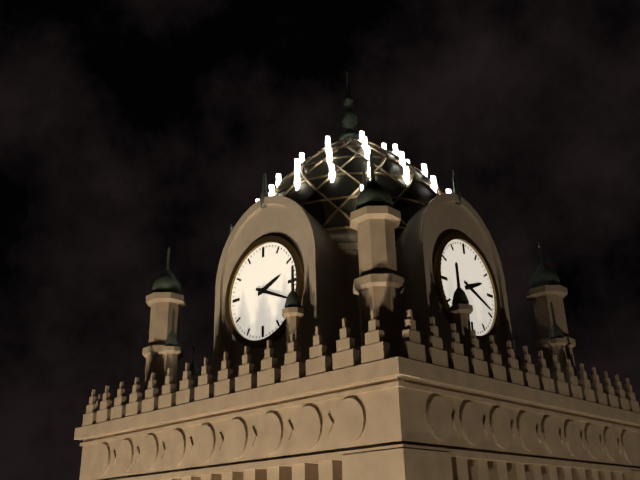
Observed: {"hour": 2, "minute": 19}
